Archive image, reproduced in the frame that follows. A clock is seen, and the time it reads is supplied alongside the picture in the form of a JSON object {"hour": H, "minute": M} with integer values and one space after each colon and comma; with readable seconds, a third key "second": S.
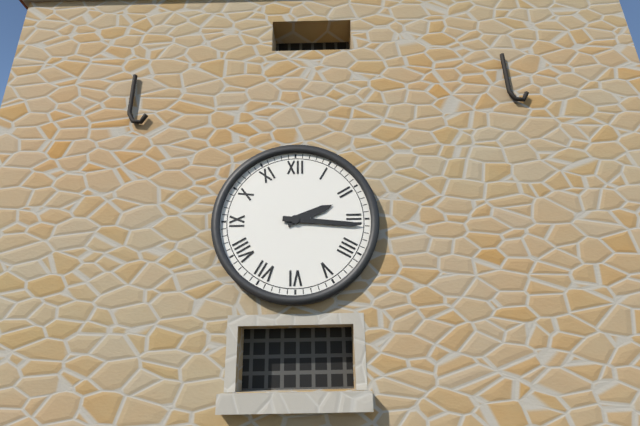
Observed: {"hour": 2, "minute": 16}
